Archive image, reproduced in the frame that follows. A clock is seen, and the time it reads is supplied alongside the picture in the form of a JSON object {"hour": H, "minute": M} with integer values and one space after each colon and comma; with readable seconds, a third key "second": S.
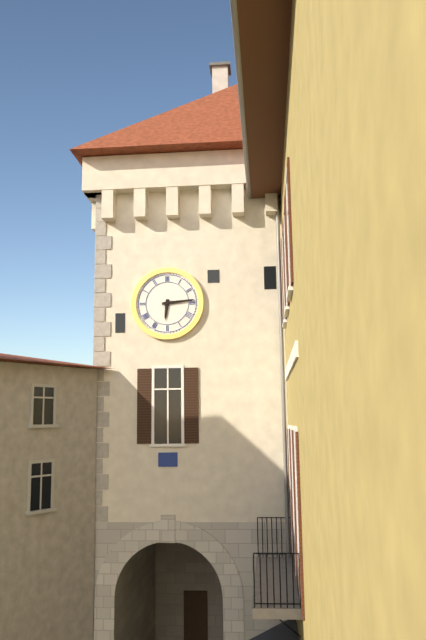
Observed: {"hour": 6, "minute": 14}
